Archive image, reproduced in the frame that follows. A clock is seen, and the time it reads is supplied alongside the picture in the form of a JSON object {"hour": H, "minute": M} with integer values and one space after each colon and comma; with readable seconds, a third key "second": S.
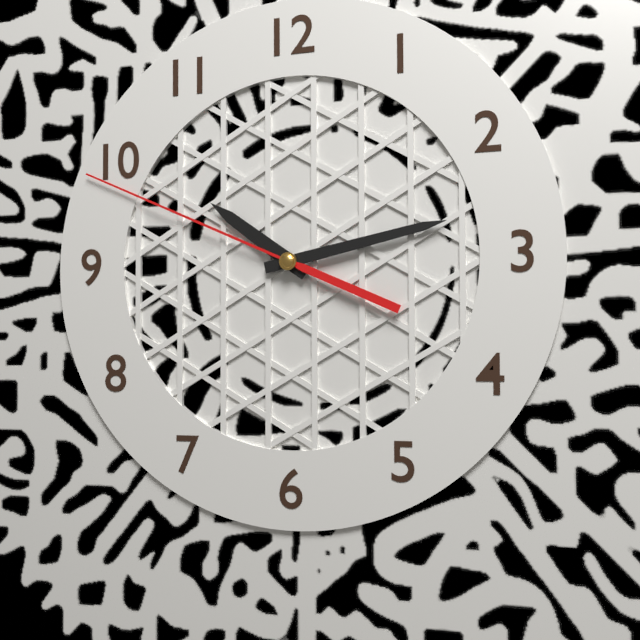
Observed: {"hour": 10, "minute": 13, "second": 49}
